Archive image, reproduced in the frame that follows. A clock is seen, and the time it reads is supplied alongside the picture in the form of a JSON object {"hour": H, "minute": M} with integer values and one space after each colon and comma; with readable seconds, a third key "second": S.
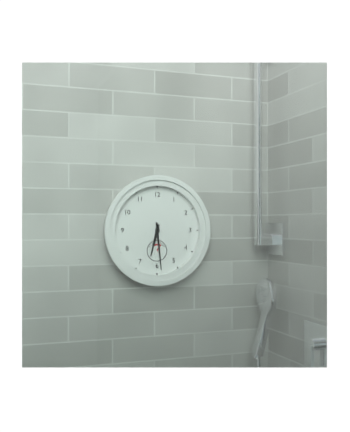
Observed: {"hour": 6, "minute": 29}
